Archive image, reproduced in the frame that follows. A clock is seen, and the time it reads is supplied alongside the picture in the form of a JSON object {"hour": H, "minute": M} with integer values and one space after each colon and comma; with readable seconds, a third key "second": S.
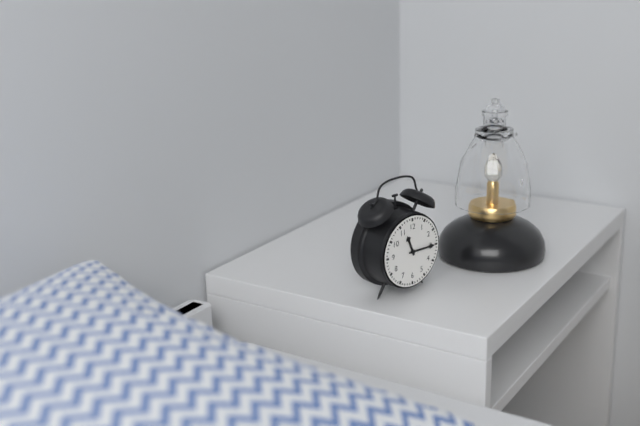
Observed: {"hour": 11, "minute": 15}
